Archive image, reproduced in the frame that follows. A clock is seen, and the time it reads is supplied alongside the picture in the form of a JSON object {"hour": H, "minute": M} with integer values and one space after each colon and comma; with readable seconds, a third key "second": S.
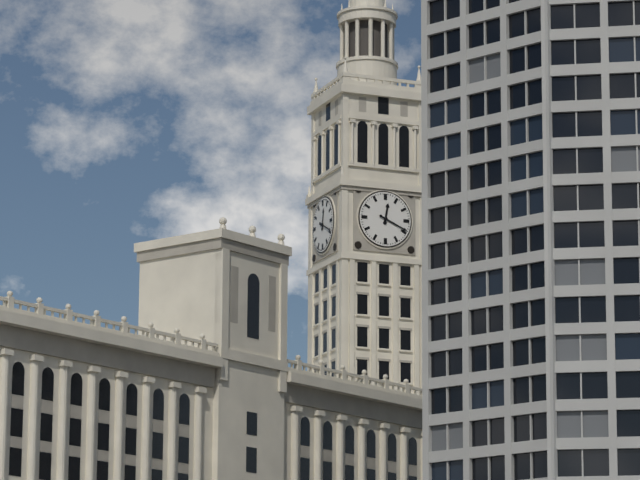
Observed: {"hour": 12, "minute": 19}
